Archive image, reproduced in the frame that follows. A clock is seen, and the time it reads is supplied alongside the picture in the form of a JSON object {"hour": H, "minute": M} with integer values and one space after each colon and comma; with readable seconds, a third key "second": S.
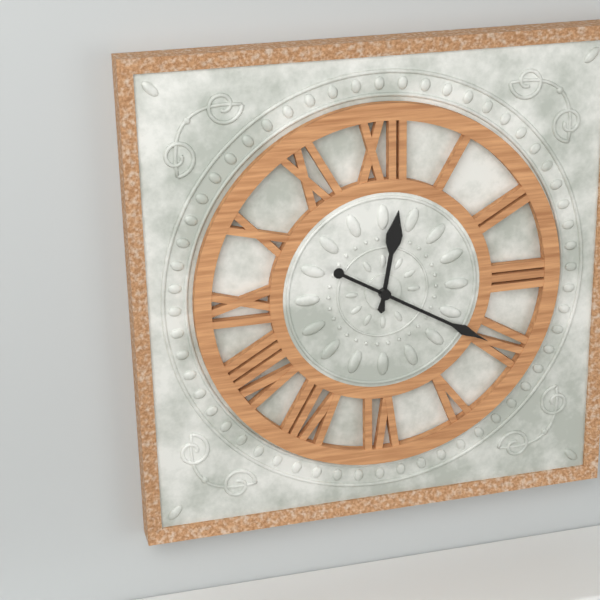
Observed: {"hour": 12, "minute": 20}
